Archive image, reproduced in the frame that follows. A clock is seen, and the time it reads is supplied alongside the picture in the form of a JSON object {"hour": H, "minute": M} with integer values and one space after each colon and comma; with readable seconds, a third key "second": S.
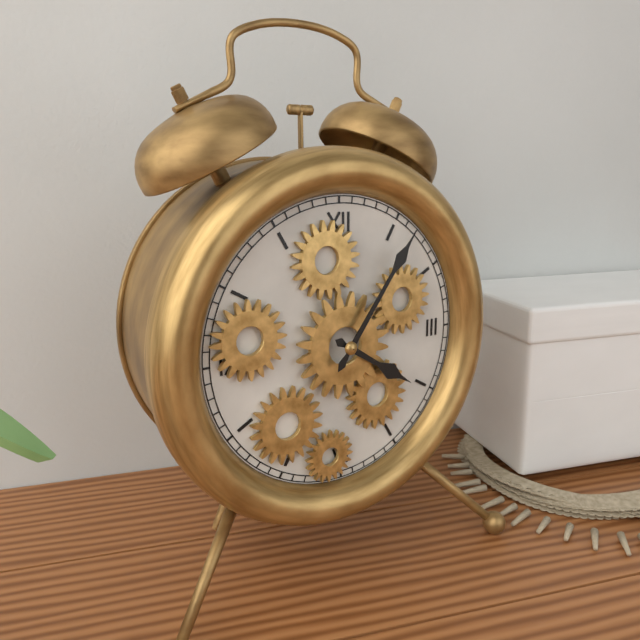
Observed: {"hour": 4, "minute": 6}
